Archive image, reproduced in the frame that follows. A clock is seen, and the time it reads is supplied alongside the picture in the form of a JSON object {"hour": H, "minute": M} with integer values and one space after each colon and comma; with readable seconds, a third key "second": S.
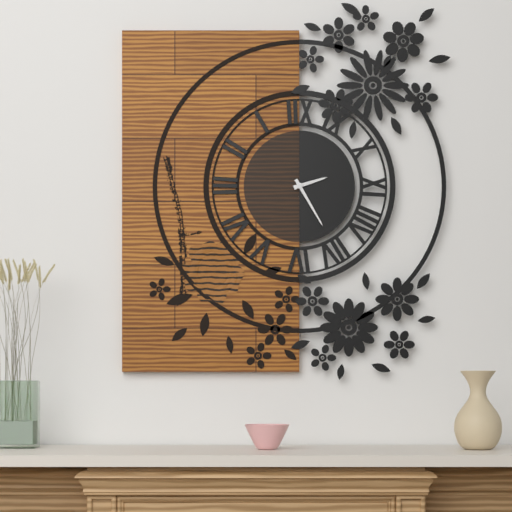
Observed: {"hour": 2, "minute": 25}
